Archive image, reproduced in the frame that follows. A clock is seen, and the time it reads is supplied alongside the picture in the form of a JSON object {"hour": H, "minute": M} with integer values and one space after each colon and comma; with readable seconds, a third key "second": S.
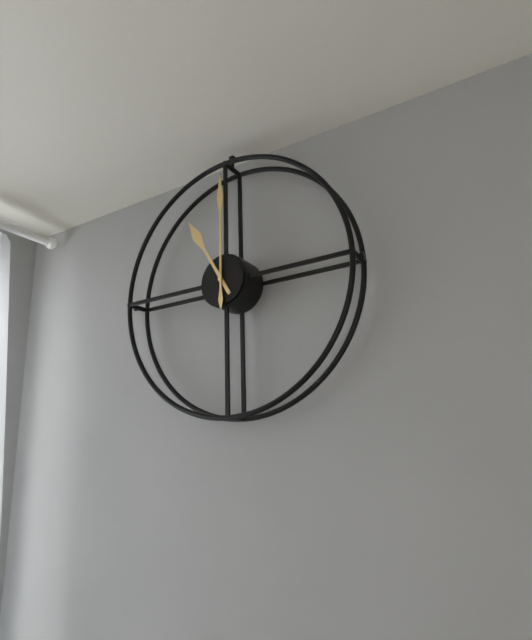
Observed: {"hour": 11, "minute": 0}
